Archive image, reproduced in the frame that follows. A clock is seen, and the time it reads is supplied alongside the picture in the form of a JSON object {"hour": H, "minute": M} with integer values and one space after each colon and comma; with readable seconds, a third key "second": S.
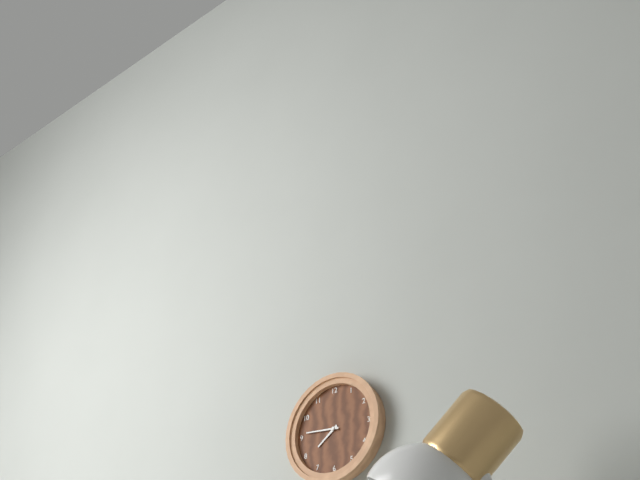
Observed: {"hour": 7, "minute": 46}
